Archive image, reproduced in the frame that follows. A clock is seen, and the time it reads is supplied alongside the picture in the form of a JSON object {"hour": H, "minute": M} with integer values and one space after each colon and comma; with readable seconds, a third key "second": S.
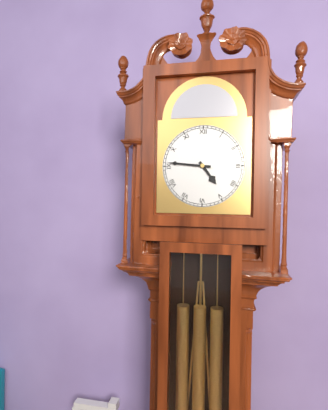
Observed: {"hour": 4, "minute": 46}
